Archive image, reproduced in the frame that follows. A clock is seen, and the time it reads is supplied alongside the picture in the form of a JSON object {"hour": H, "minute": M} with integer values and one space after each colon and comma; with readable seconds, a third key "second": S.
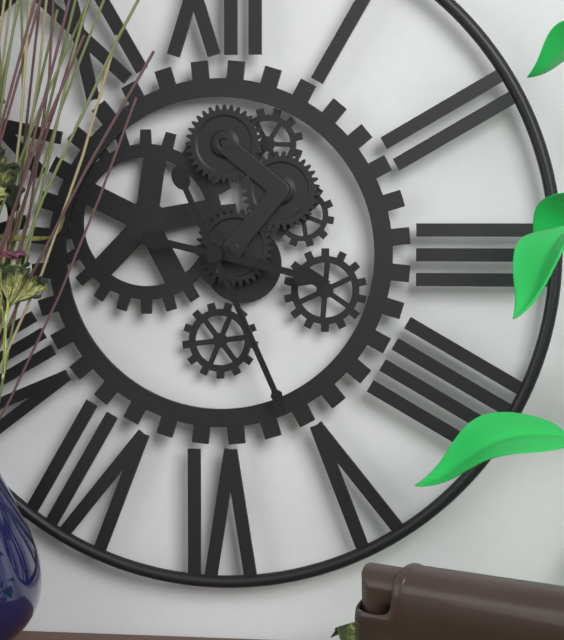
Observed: {"hour": 3, "minute": 26}
